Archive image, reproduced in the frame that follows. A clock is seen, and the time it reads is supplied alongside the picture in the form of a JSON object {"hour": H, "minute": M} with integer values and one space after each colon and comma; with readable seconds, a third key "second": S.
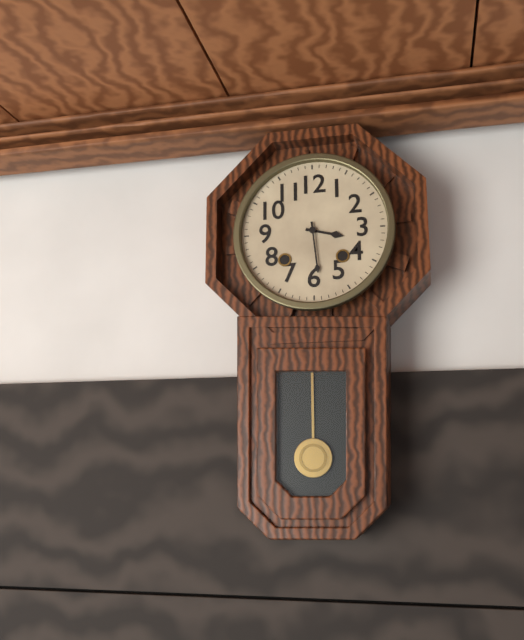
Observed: {"hour": 3, "minute": 29}
